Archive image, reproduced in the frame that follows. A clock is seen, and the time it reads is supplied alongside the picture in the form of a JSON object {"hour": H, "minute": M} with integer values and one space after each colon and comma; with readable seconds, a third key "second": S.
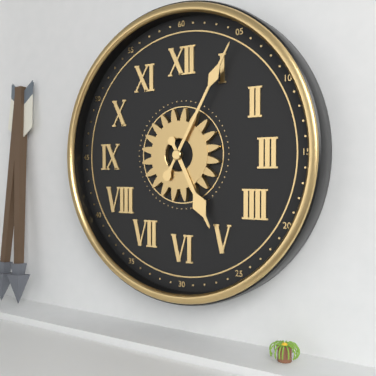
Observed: {"hour": 5, "minute": 5}
